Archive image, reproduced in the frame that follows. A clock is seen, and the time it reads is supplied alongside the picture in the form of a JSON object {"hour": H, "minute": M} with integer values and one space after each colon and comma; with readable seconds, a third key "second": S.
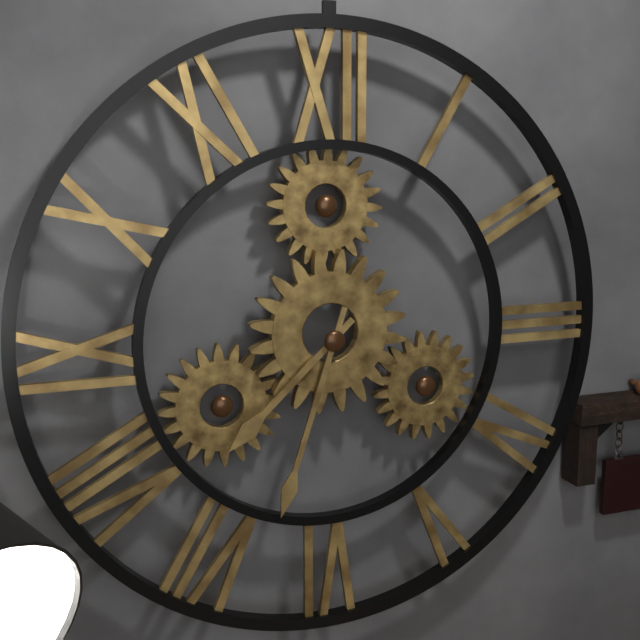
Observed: {"hour": 7, "minute": 33}
